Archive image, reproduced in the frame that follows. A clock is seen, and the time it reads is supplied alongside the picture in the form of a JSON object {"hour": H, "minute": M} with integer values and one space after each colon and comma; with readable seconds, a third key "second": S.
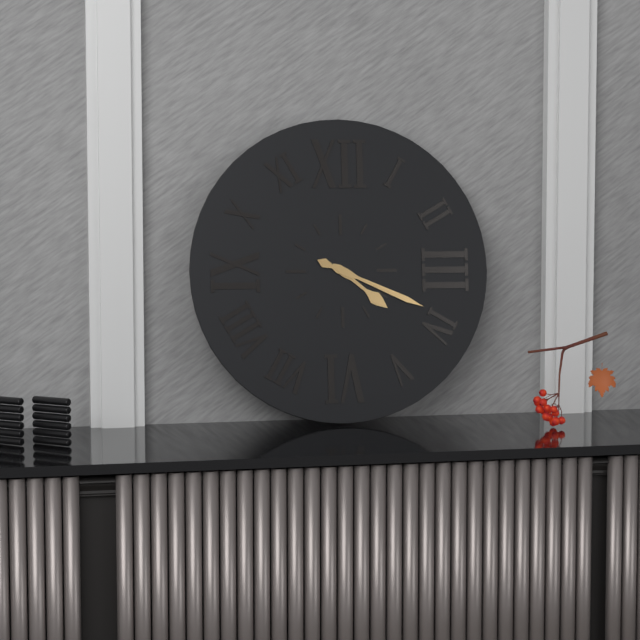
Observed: {"hour": 4, "minute": 19}
